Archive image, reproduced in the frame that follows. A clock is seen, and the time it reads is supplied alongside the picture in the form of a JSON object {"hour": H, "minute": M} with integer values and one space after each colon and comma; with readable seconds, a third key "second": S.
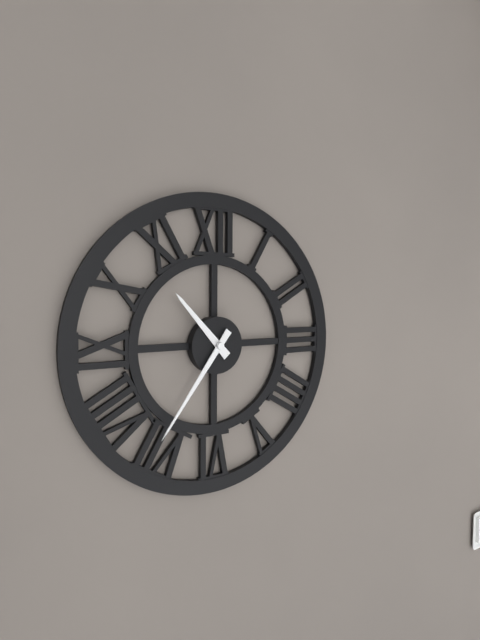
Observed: {"hour": 10, "minute": 36}
